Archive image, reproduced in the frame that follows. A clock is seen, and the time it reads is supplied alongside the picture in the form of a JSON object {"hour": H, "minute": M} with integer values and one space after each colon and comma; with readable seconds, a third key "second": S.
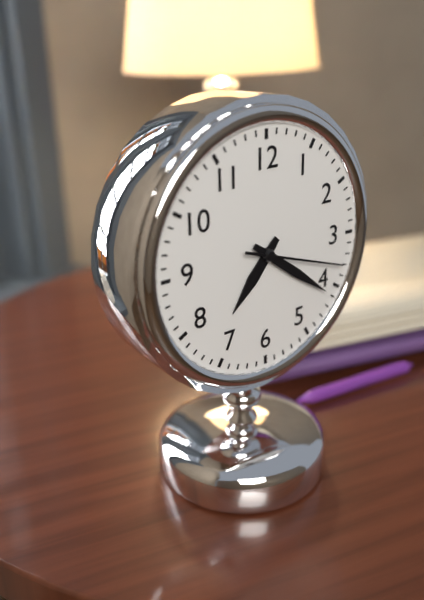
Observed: {"hour": 7, "minute": 21, "second": 18}
